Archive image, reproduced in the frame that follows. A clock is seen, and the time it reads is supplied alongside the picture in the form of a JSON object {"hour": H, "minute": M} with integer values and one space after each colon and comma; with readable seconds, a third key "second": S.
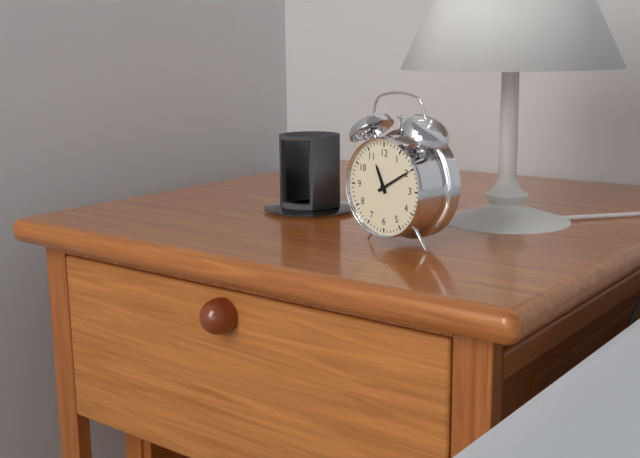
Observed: {"hour": 11, "minute": 10}
